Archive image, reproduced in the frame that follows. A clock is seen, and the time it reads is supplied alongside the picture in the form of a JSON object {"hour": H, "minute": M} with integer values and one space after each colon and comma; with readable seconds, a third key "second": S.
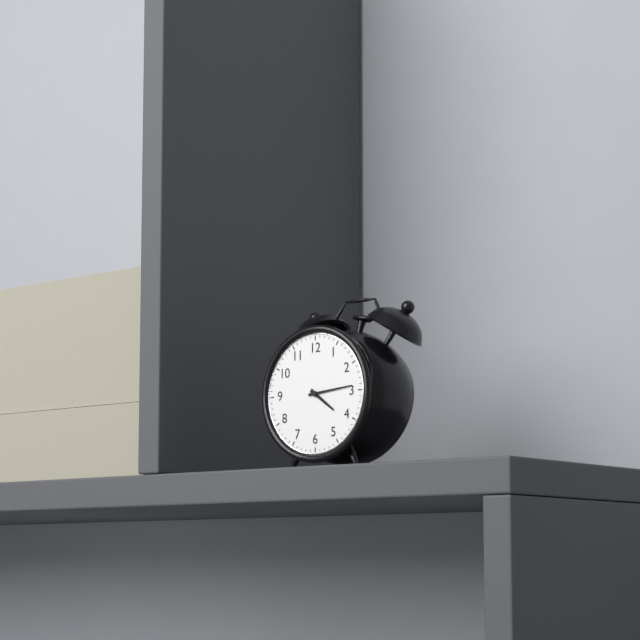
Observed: {"hour": 4, "minute": 14}
